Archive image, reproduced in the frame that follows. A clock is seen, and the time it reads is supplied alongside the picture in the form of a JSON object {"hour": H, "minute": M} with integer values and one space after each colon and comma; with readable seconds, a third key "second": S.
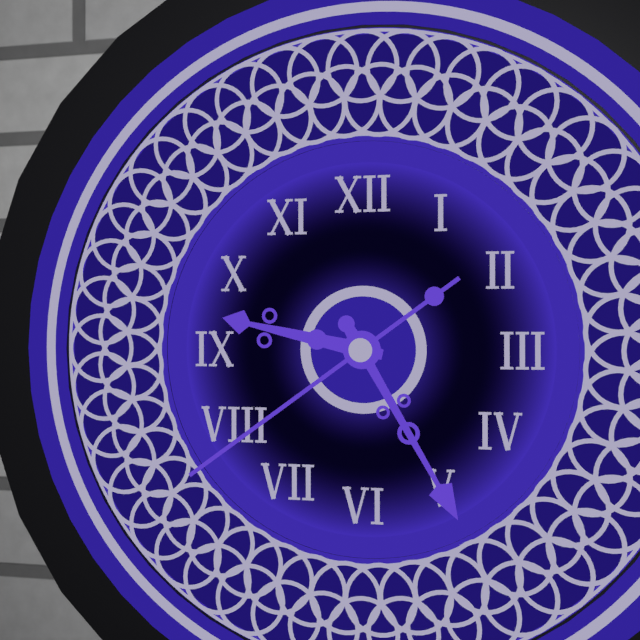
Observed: {"hour": 9, "minute": 25, "second": 39}
